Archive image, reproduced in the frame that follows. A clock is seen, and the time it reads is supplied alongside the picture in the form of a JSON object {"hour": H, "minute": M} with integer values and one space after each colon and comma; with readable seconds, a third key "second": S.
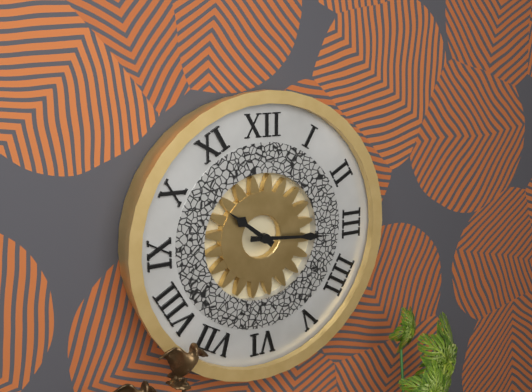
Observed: {"hour": 10, "minute": 16}
